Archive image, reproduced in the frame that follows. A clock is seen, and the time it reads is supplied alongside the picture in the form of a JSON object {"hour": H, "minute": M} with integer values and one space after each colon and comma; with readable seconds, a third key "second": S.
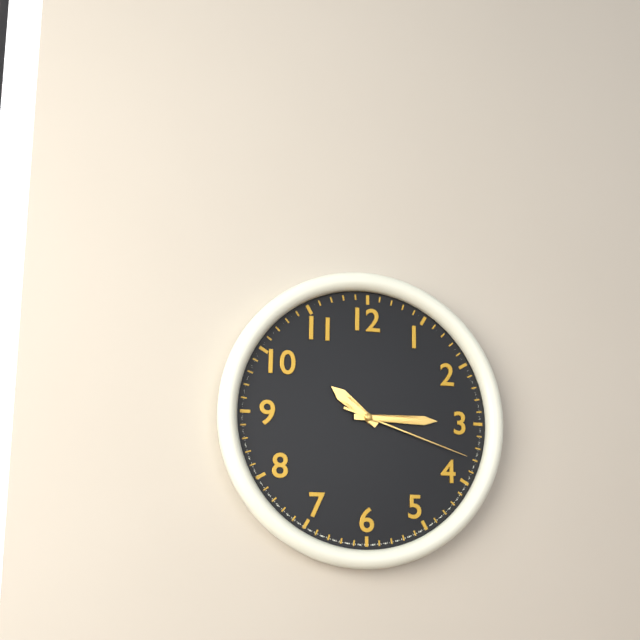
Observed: {"hour": 10, "minute": 15, "second": 18}
